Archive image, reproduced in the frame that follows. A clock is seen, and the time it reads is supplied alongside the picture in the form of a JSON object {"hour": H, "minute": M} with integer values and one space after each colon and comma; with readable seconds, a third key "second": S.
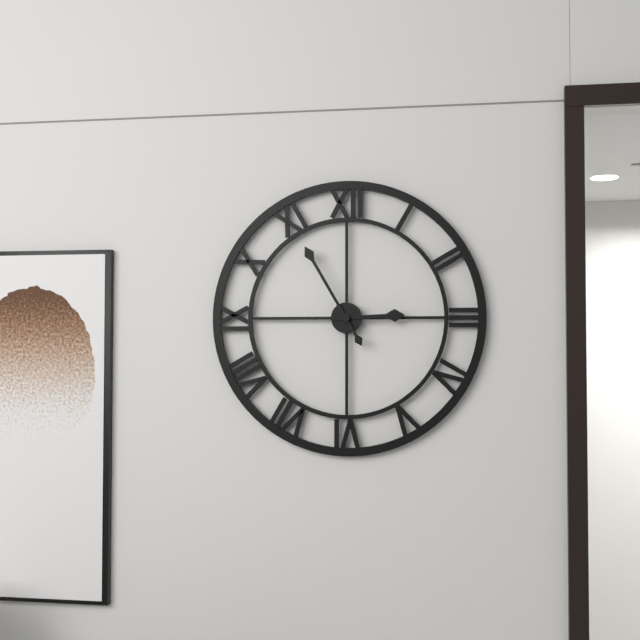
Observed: {"hour": 2, "minute": 55}
